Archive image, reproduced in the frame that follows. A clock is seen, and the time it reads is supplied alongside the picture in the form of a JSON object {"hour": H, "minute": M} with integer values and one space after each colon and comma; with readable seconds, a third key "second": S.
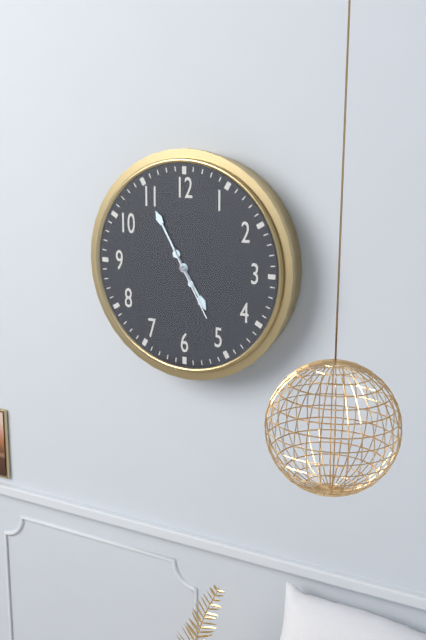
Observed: {"hour": 4, "minute": 55, "second": 25}
